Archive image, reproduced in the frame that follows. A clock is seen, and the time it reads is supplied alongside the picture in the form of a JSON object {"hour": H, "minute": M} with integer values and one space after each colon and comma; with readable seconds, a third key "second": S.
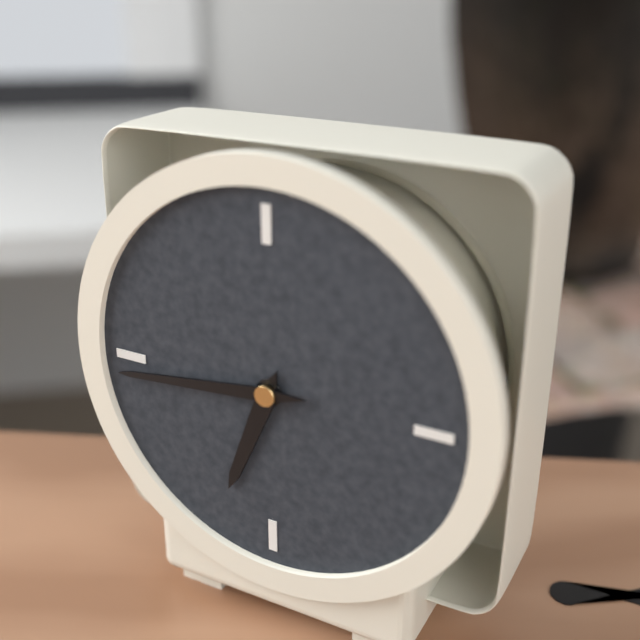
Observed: {"hour": 6, "minute": 44}
